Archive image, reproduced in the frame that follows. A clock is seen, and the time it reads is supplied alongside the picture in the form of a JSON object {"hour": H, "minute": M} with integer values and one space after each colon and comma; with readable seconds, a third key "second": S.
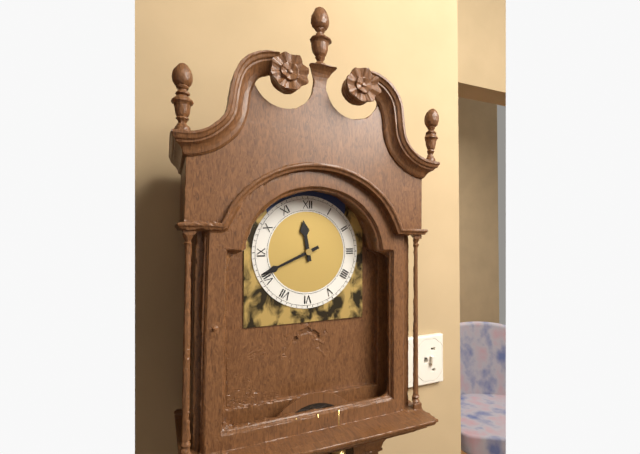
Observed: {"hour": 11, "minute": 41}
